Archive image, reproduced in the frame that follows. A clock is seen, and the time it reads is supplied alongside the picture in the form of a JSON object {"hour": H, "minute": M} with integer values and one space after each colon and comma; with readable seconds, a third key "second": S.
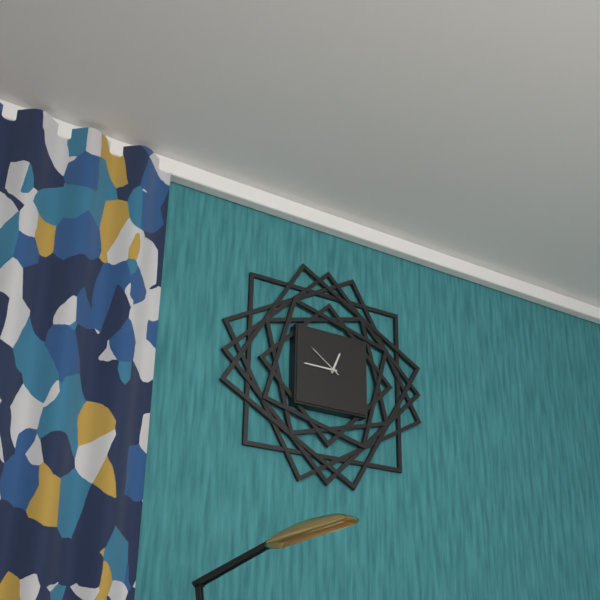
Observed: {"hour": 12, "minute": 45}
